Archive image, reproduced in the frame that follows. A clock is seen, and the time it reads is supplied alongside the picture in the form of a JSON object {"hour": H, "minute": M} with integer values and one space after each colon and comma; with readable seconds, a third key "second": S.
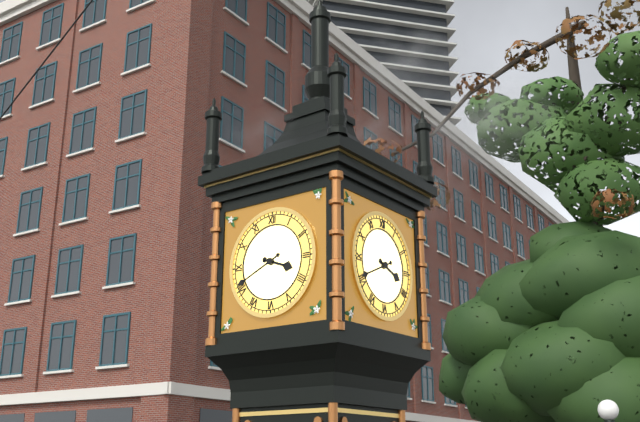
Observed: {"hour": 3, "minute": 41}
